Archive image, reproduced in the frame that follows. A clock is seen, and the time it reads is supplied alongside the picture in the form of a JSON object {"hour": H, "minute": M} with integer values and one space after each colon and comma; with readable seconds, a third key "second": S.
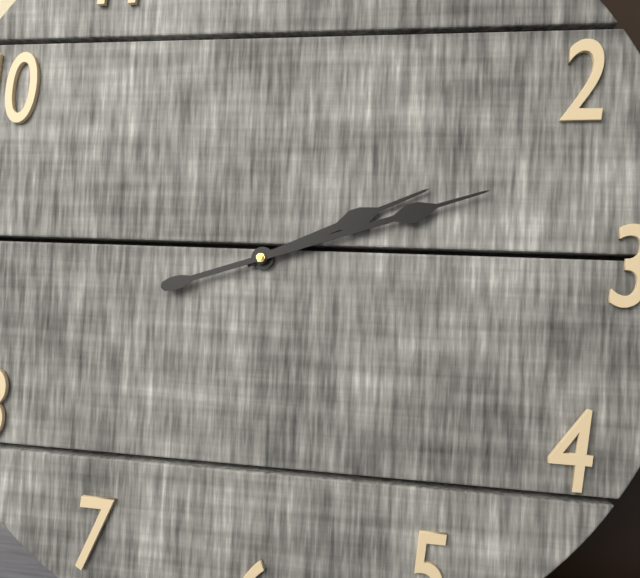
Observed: {"hour": 2, "minute": 12}
